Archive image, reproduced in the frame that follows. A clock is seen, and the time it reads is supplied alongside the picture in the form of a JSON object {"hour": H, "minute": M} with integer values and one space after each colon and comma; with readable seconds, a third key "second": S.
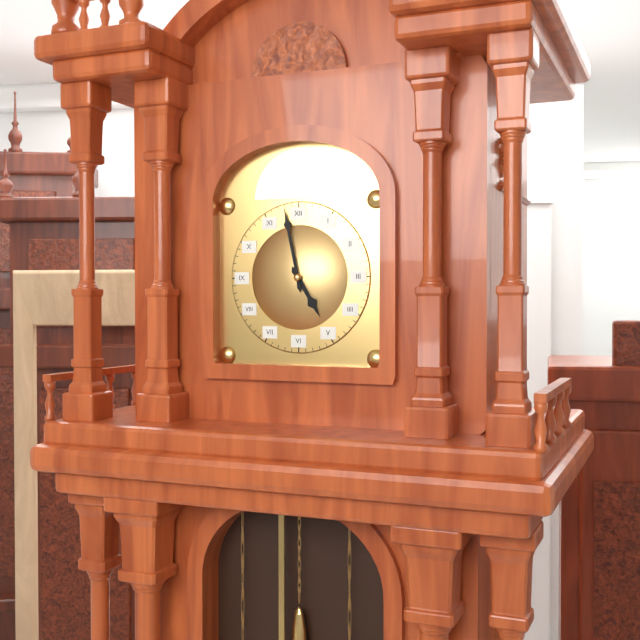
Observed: {"hour": 4, "minute": 58}
